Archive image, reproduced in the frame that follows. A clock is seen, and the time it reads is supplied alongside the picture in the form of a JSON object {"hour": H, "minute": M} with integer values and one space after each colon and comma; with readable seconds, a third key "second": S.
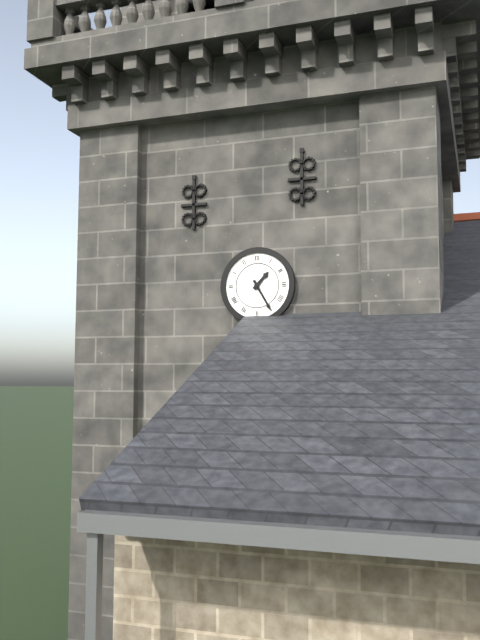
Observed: {"hour": 1, "minute": 25}
